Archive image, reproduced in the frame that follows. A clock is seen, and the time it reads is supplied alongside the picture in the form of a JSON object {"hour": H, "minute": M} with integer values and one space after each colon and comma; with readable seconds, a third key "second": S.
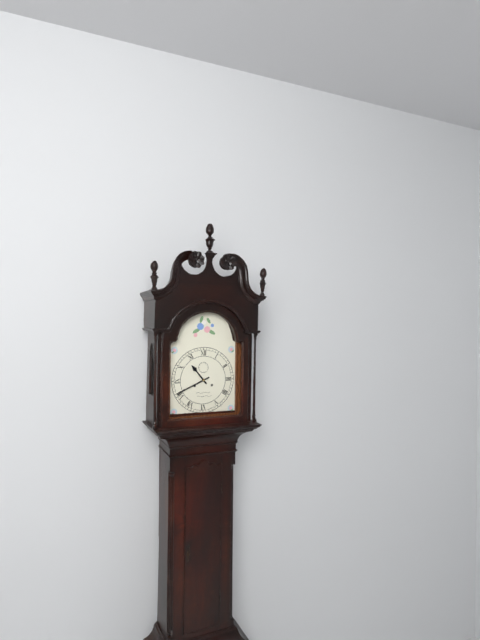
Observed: {"hour": 10, "minute": 41}
